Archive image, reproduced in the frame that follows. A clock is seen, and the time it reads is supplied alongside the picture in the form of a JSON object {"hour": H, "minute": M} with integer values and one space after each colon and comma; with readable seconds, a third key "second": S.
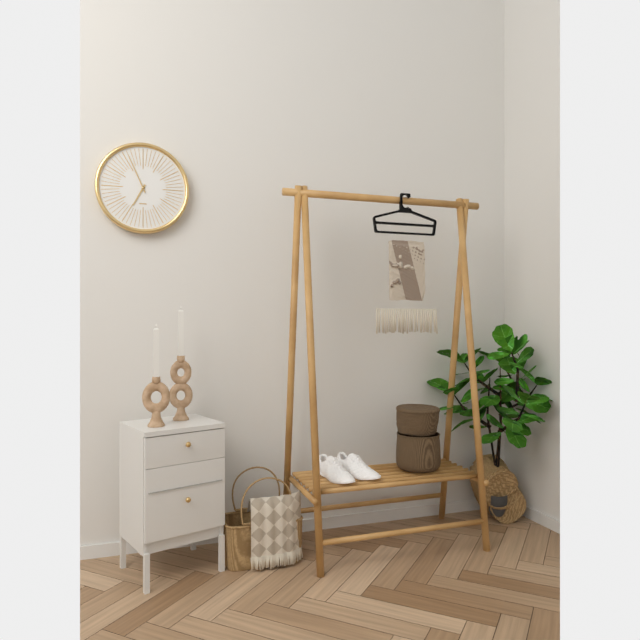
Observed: {"hour": 6, "minute": 56}
